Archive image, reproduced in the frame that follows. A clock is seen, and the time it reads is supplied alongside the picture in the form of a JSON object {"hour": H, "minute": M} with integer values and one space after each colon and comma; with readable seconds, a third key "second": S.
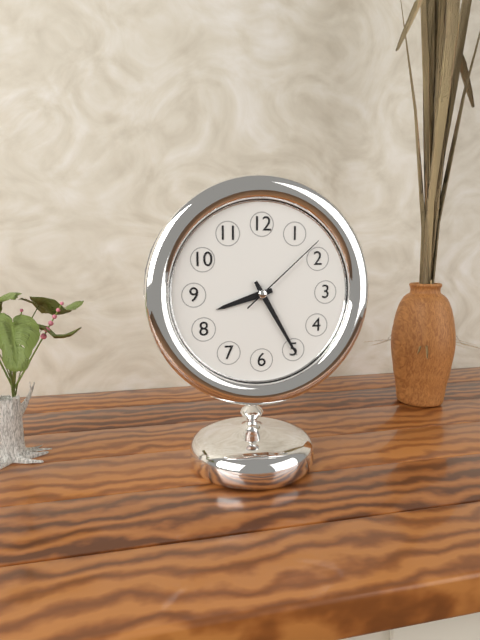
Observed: {"hour": 8, "minute": 25, "second": 8}
